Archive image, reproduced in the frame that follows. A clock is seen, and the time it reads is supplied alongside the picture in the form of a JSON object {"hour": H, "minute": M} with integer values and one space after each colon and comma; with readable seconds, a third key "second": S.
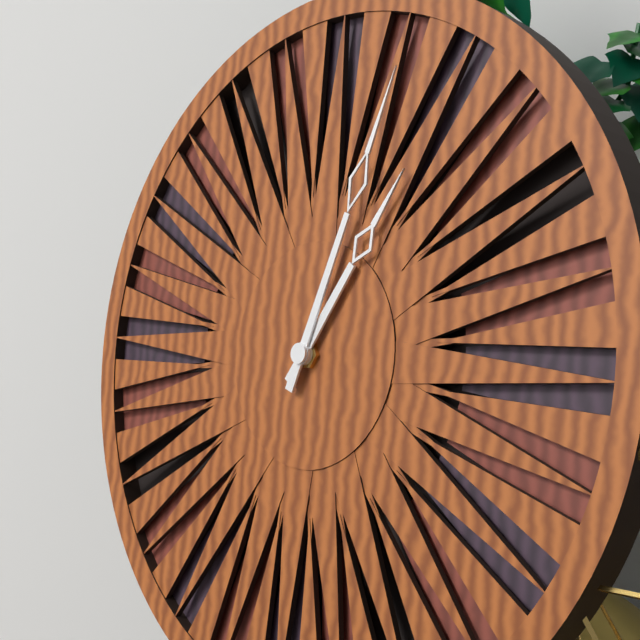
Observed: {"hour": 1, "minute": 3}
